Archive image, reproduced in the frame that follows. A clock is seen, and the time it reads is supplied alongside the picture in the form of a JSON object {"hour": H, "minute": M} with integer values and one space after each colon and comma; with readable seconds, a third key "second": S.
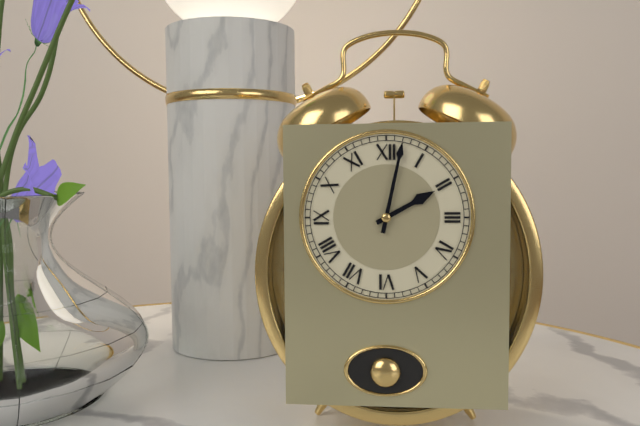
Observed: {"hour": 2, "minute": 2}
